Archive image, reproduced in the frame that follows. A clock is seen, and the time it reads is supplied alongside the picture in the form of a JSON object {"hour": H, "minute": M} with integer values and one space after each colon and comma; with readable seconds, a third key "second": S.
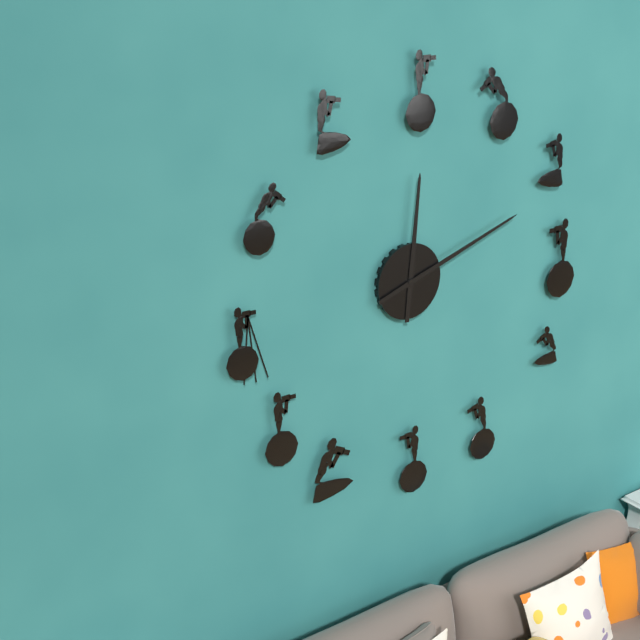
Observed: {"hour": 12, "minute": 12}
